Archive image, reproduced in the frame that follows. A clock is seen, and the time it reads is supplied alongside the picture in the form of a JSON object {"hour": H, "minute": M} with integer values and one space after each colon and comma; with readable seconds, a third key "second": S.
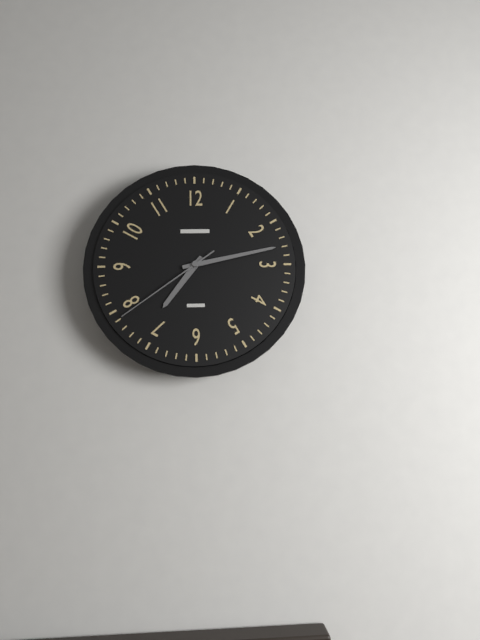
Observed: {"hour": 7, "minute": 13, "second": 39}
